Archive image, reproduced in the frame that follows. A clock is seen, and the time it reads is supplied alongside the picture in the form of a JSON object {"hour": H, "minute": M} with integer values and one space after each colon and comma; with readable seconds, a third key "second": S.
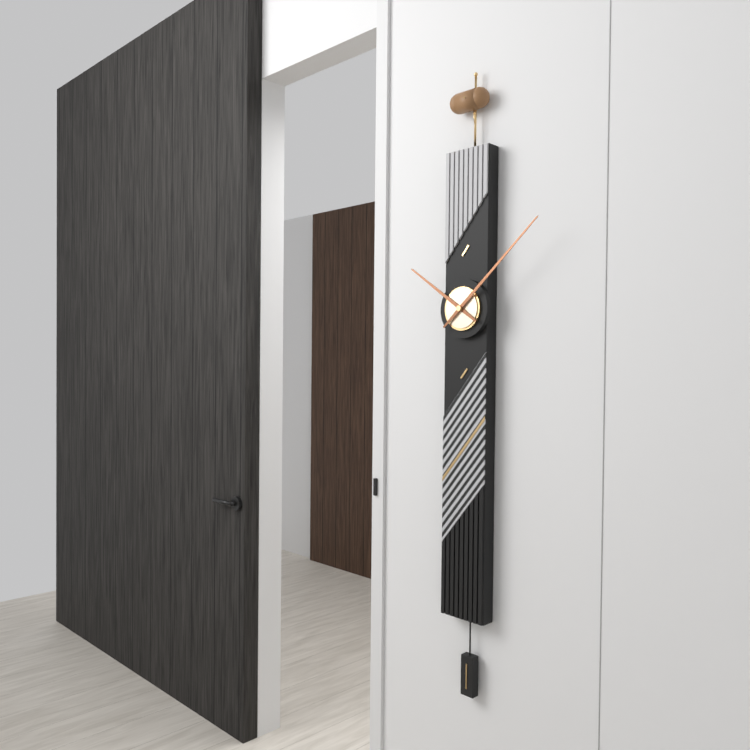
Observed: {"hour": 10, "minute": 8}
